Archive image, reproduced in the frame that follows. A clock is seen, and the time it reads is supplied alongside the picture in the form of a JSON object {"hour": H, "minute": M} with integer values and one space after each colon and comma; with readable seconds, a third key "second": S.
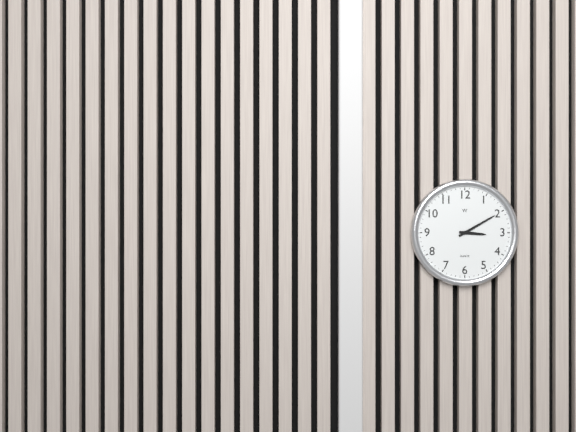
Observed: {"hour": 3, "minute": 10}
